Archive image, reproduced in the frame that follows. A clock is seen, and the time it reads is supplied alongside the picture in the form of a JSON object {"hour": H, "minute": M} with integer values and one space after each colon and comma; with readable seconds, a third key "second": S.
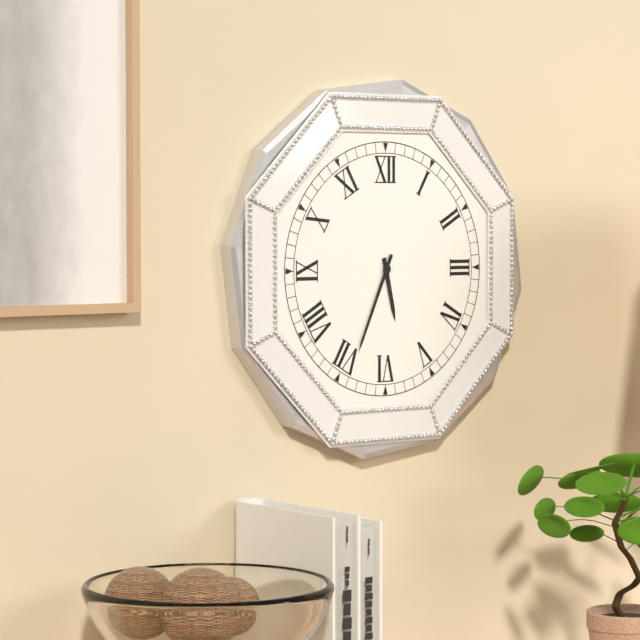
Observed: {"hour": 5, "minute": 34}
